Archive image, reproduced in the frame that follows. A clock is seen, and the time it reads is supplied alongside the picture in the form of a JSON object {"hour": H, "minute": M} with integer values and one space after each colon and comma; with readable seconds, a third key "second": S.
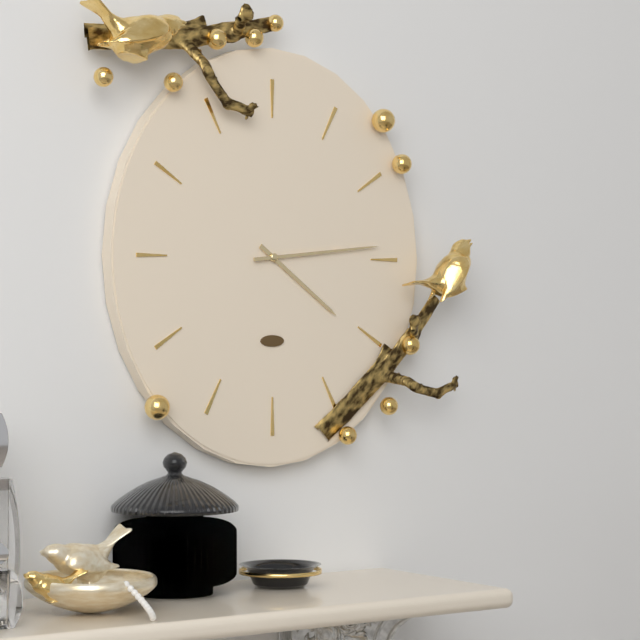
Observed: {"hour": 4, "minute": 14}
